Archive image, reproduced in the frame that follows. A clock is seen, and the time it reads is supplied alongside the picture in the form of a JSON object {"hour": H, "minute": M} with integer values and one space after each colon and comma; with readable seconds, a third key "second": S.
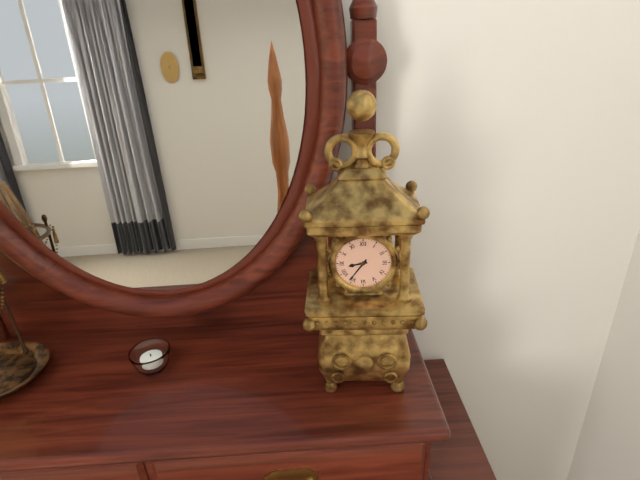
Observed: {"hour": 8, "minute": 36}
